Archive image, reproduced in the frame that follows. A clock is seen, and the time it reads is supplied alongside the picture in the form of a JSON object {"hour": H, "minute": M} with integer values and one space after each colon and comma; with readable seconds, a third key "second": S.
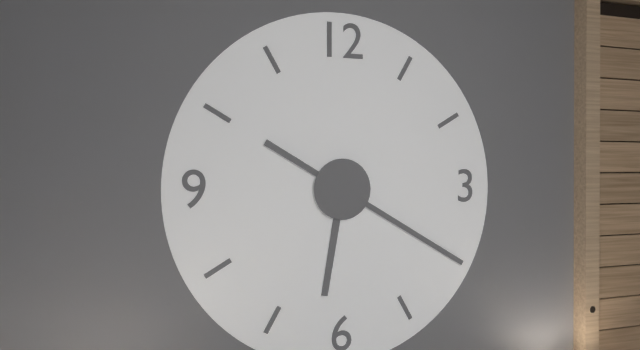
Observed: {"hour": 6, "minute": 20}
